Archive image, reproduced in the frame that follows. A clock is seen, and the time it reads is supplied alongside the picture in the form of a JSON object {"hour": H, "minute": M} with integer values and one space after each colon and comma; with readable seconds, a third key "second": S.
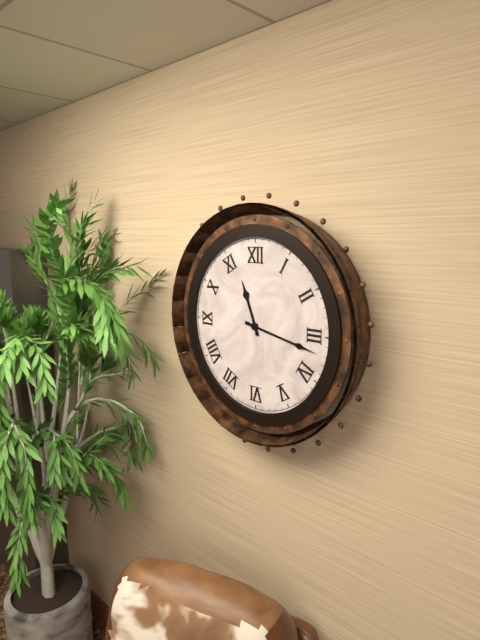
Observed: {"hour": 11, "minute": 17}
